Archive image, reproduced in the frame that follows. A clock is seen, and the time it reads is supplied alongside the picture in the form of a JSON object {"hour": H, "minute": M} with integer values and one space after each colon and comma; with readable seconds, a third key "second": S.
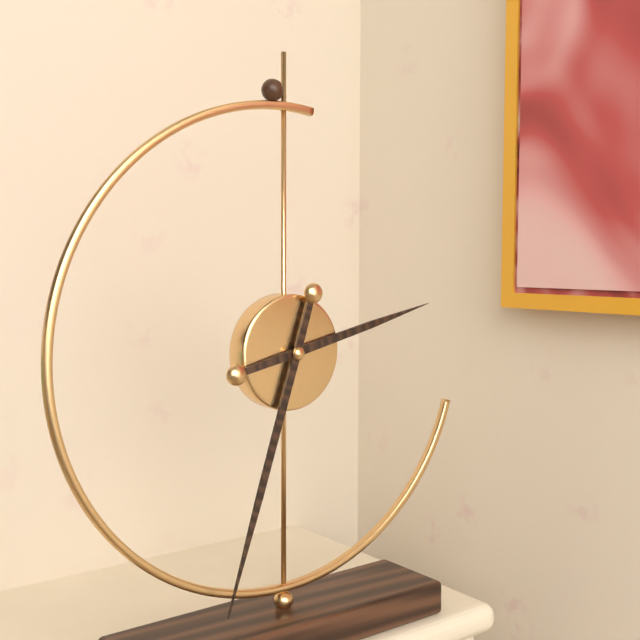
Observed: {"hour": 2, "minute": 33}
